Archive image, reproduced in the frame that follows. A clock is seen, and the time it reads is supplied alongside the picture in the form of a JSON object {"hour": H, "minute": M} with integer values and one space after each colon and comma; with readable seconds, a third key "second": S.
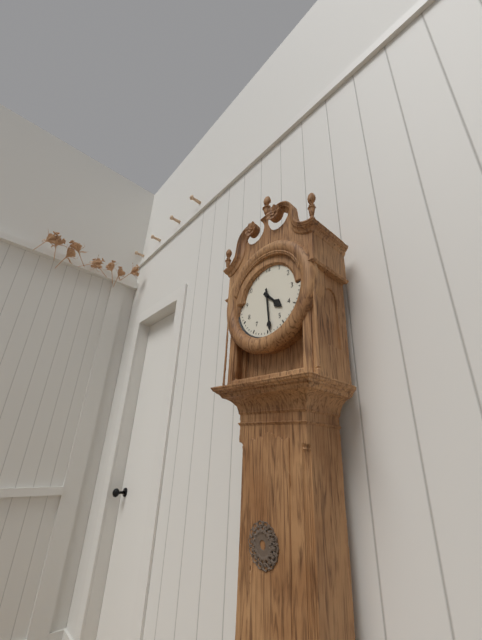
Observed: {"hour": 4, "minute": 29}
